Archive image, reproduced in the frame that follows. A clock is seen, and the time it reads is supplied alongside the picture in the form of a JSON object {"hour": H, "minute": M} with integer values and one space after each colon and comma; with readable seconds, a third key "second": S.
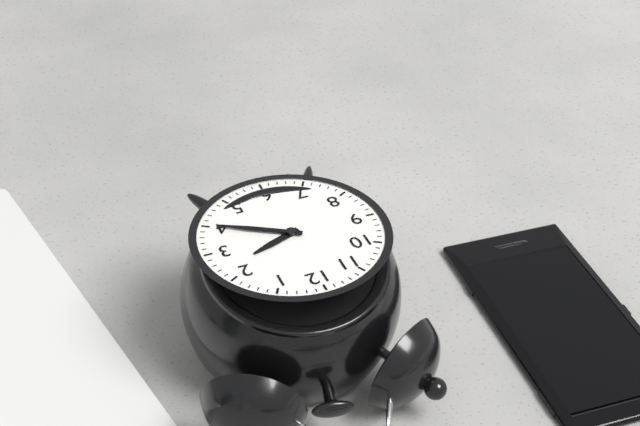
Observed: {"hour": 2, "minute": 20}
